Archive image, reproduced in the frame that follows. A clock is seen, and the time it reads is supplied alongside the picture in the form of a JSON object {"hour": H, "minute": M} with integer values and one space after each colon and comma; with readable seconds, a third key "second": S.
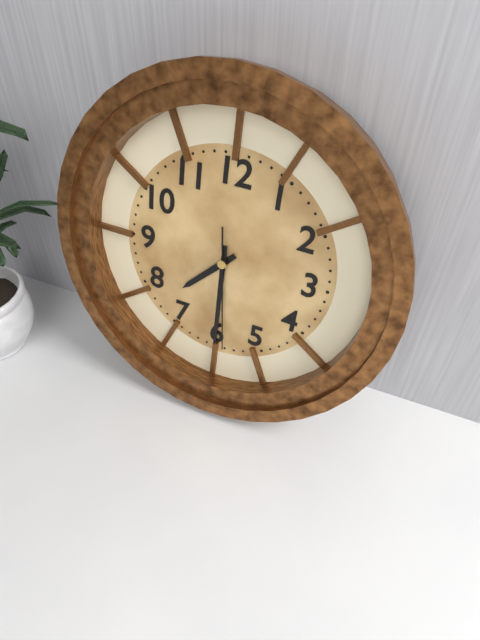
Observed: {"hour": 7, "minute": 30, "second": 29}
